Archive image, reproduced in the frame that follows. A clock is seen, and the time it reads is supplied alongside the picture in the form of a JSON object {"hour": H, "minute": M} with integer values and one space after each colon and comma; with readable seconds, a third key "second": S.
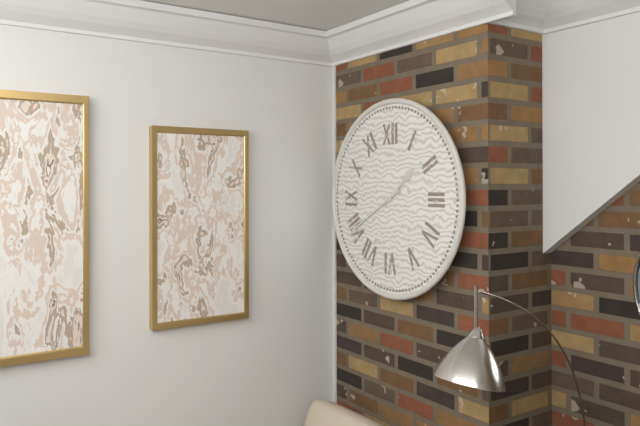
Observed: {"hour": 1, "minute": 40}
